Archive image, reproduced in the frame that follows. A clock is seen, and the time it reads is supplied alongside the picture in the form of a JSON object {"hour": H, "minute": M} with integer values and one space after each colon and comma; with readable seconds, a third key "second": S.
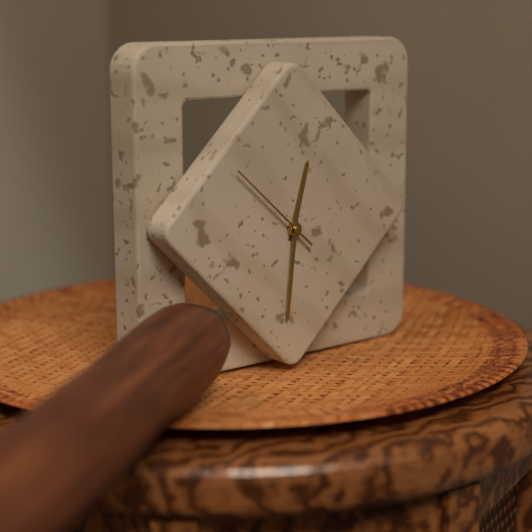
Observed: {"hour": 12, "minute": 31, "second": 52}
